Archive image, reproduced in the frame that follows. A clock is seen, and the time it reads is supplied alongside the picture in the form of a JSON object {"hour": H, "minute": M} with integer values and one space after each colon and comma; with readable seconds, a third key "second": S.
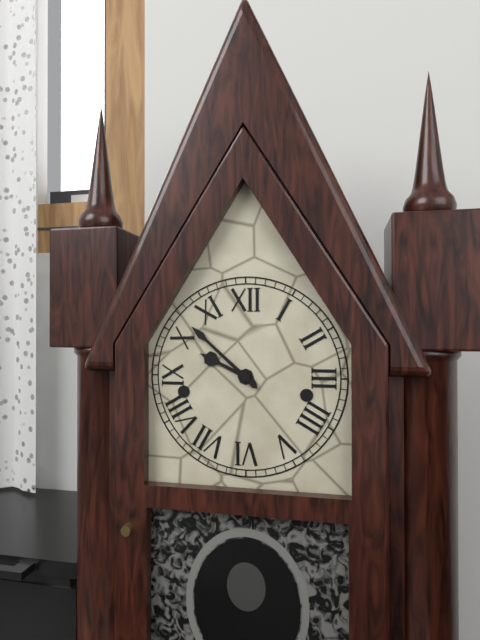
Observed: {"hour": 9, "minute": 52}
